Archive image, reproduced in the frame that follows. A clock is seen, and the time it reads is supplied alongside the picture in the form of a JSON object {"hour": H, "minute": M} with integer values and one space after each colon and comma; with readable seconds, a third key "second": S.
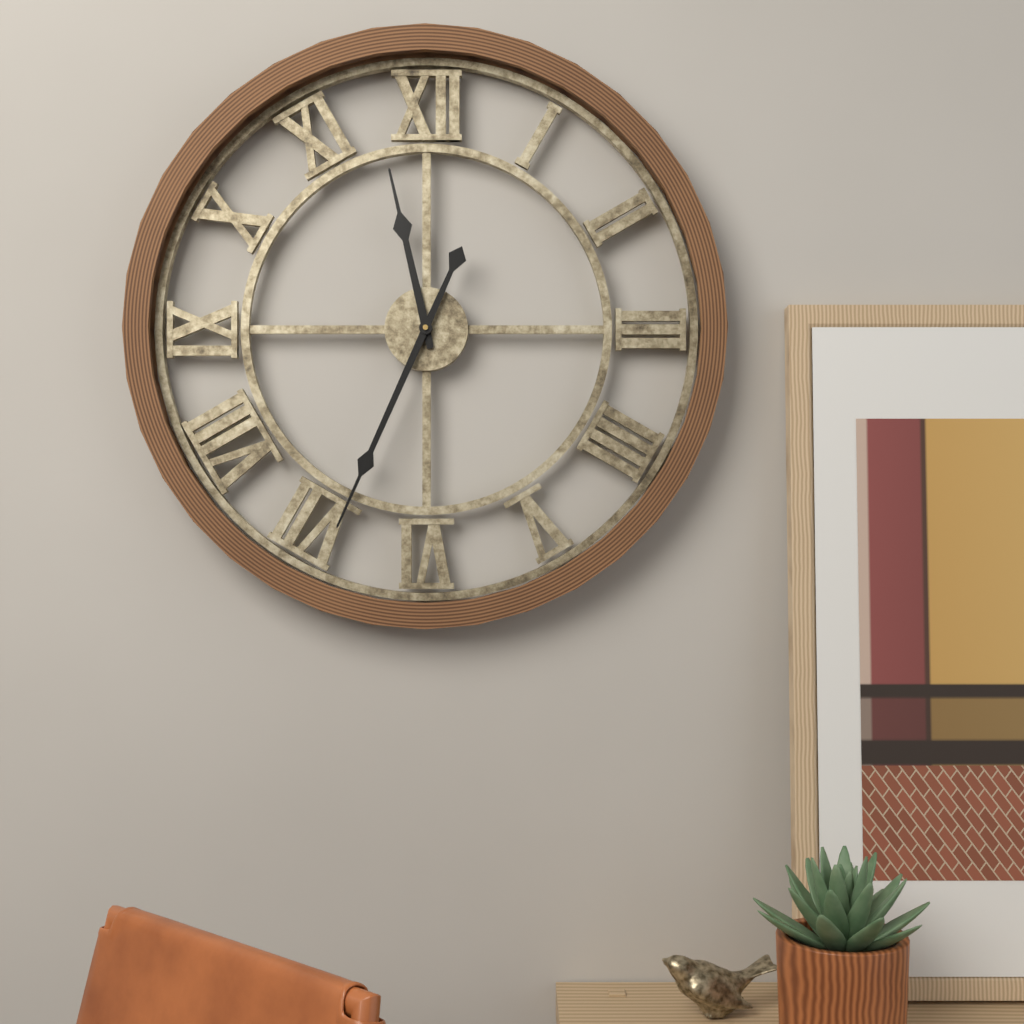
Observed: {"hour": 11, "minute": 34}
